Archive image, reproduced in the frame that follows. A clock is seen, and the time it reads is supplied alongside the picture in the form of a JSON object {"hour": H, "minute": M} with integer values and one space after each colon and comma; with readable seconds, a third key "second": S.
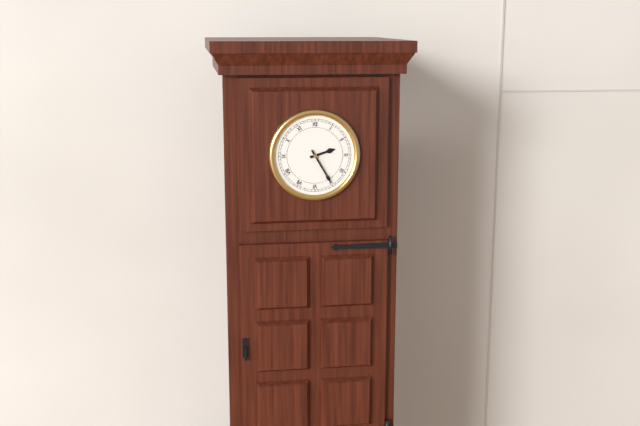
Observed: {"hour": 2, "minute": 25}
